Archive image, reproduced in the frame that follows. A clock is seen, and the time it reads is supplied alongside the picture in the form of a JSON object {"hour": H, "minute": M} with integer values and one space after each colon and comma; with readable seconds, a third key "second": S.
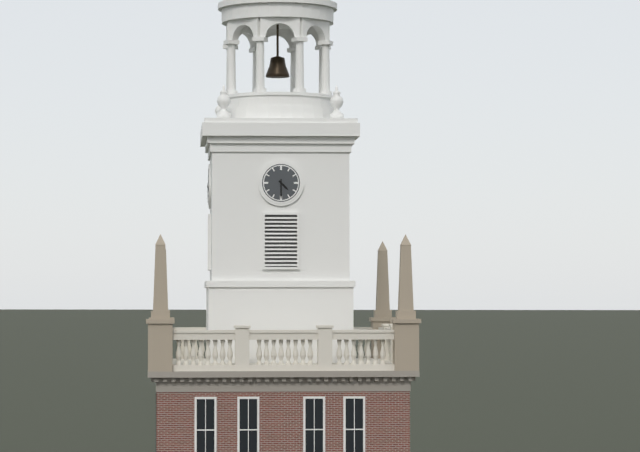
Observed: {"hour": 4, "minute": 30}
